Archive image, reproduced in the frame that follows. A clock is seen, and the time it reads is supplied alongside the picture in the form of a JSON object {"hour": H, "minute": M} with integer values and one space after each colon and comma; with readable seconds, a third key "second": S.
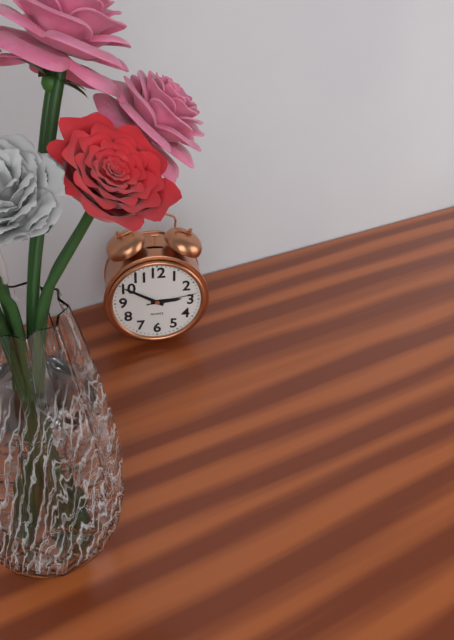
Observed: {"hour": 2, "minute": 50, "second": 13}
